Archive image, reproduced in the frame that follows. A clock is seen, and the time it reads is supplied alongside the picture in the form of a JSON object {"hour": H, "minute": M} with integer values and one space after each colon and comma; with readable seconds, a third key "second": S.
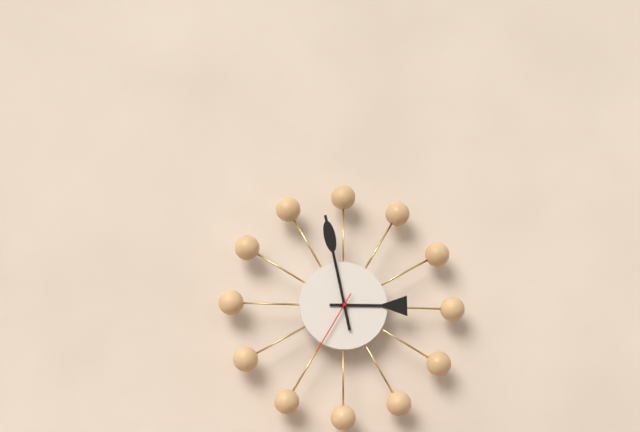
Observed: {"hour": 2, "minute": 58, "second": 35}
